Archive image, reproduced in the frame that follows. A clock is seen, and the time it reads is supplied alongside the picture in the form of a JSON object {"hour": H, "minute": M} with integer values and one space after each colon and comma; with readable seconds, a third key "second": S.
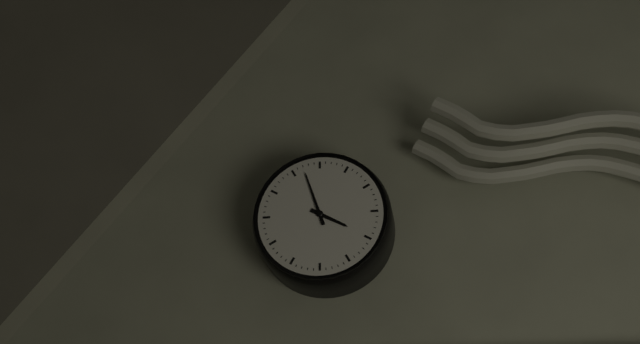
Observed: {"hour": 3, "minute": 57}
